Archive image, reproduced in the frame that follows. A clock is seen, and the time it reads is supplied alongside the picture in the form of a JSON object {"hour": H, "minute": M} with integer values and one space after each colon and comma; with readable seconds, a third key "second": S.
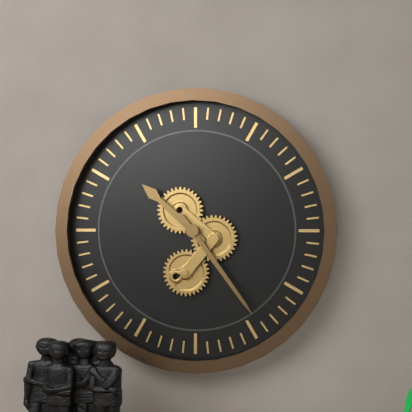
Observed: {"hour": 10, "minute": 24}
